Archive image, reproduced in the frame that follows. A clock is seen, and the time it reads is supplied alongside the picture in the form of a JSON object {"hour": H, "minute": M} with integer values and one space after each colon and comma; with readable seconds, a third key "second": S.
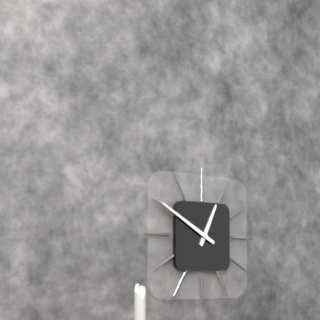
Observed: {"hour": 12, "minute": 50}
